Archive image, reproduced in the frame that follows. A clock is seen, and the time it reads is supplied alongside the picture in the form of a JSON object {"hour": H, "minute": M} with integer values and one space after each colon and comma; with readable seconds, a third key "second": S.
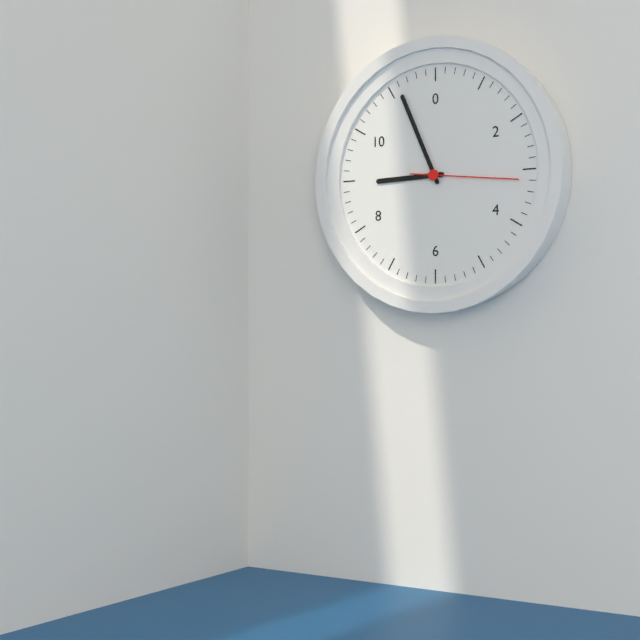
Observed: {"hour": 8, "minute": 56, "second": 16}
